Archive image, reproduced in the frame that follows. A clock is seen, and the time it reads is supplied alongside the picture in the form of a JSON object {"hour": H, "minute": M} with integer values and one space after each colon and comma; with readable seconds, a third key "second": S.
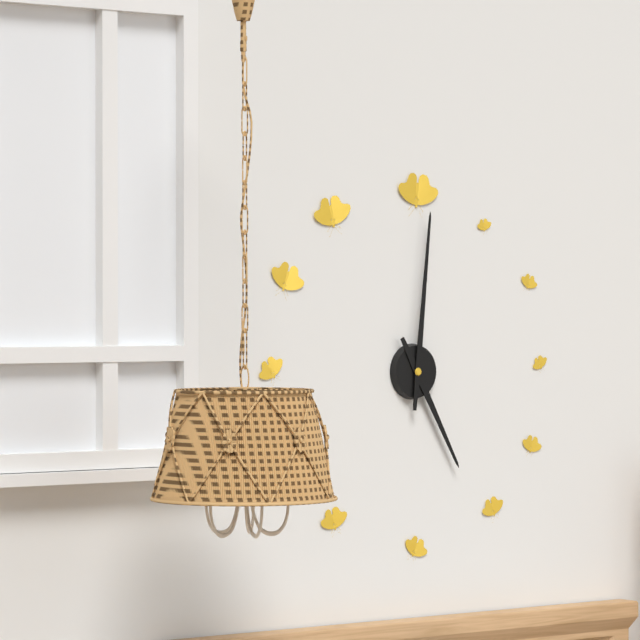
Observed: {"hour": 5, "minute": 1}
